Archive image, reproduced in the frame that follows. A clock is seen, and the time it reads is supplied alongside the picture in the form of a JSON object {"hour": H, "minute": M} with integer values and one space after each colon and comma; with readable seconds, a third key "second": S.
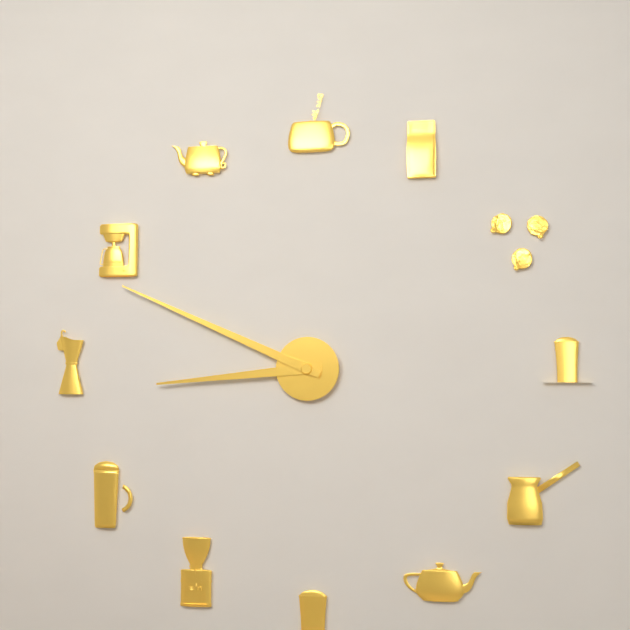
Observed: {"hour": 8, "minute": 49}
